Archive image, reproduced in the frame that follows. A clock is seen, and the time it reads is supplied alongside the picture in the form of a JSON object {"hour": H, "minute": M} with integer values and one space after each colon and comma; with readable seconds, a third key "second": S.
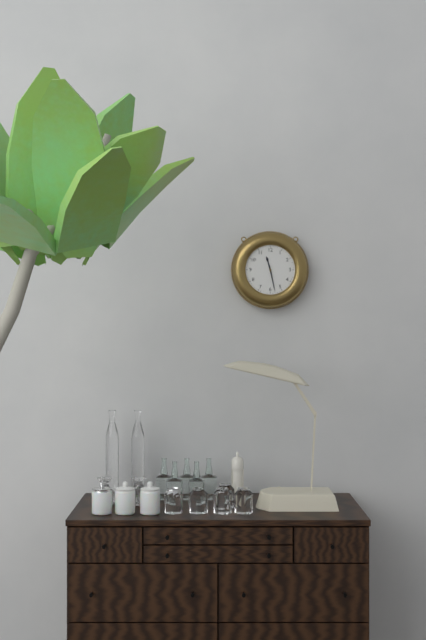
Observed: {"hour": 11, "minute": 28}
